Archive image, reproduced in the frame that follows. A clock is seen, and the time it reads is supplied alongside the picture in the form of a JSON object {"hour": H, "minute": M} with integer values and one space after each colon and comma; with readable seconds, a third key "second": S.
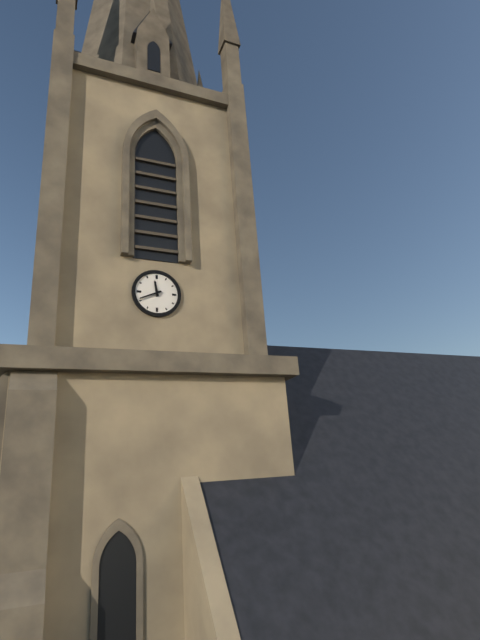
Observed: {"hour": 11, "minute": 41}
